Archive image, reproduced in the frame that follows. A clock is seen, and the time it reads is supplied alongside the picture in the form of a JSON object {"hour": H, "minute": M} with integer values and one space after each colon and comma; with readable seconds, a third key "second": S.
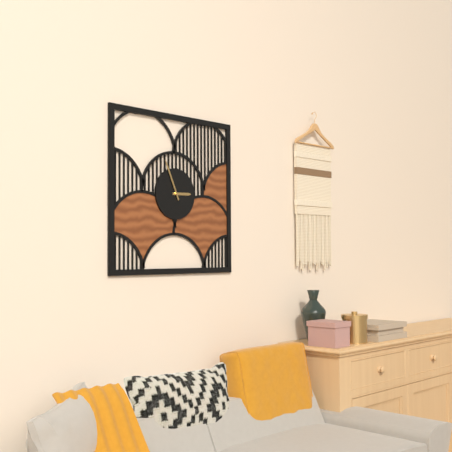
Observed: {"hour": 2, "minute": 56}
